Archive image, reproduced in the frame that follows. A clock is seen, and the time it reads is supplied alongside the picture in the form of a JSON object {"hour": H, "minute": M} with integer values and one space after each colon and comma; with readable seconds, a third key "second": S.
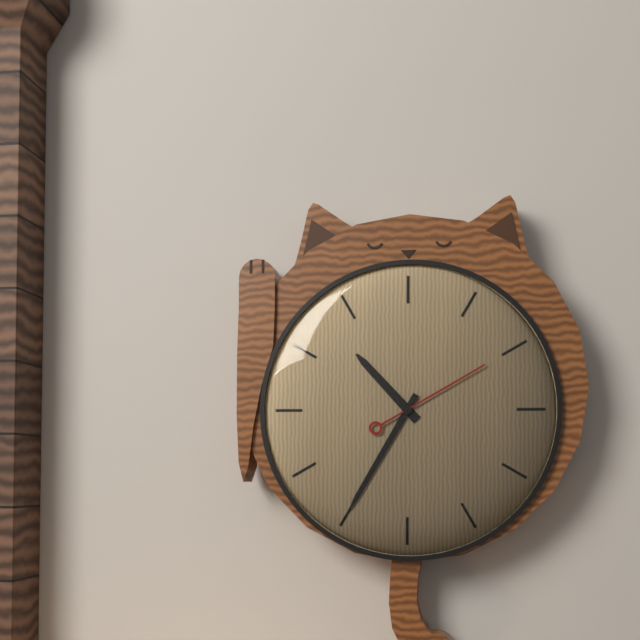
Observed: {"hour": 10, "minute": 35, "second": 10}
